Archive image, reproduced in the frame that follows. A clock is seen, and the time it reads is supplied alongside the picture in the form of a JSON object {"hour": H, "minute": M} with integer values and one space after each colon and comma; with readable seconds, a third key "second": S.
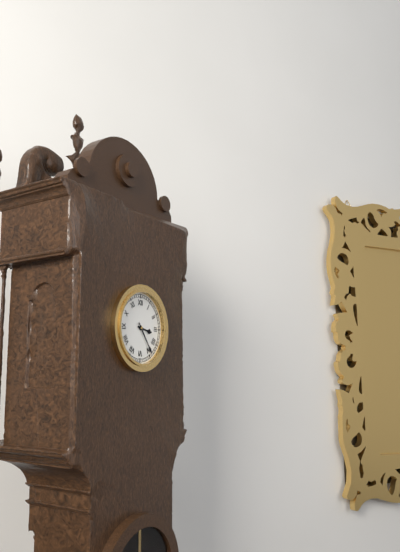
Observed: {"hour": 3, "minute": 24}
